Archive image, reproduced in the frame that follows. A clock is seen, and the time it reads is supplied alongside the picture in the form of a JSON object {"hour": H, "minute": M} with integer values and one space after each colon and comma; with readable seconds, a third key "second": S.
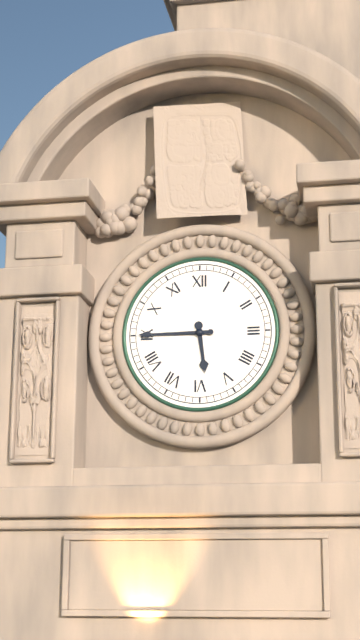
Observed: {"hour": 5, "minute": 45}
